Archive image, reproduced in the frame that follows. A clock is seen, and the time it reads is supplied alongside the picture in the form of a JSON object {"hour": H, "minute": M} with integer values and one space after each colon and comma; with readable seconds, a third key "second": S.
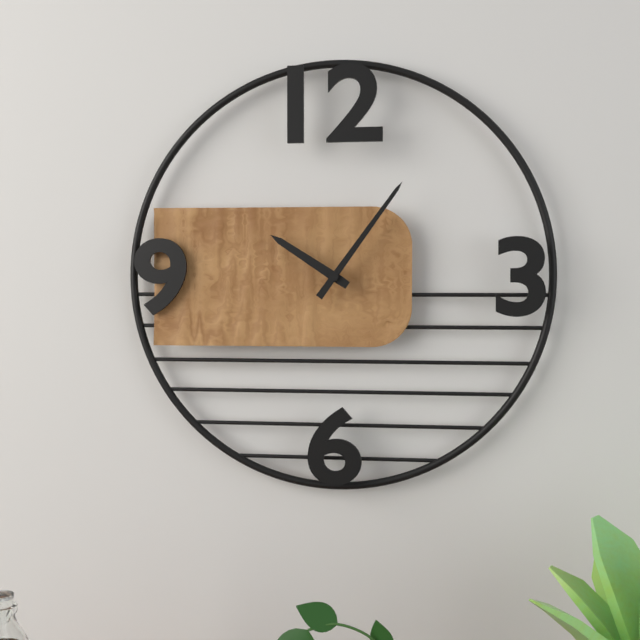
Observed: {"hour": 10, "minute": 6}
